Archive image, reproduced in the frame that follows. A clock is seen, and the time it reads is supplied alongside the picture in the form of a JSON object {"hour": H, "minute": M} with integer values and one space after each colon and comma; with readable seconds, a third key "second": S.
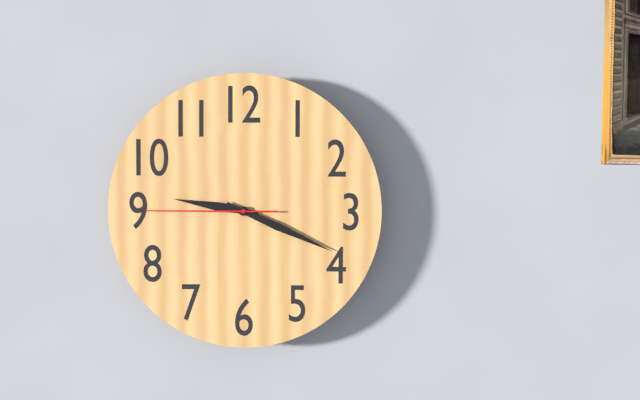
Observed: {"hour": 9, "minute": 19, "second": 45}
